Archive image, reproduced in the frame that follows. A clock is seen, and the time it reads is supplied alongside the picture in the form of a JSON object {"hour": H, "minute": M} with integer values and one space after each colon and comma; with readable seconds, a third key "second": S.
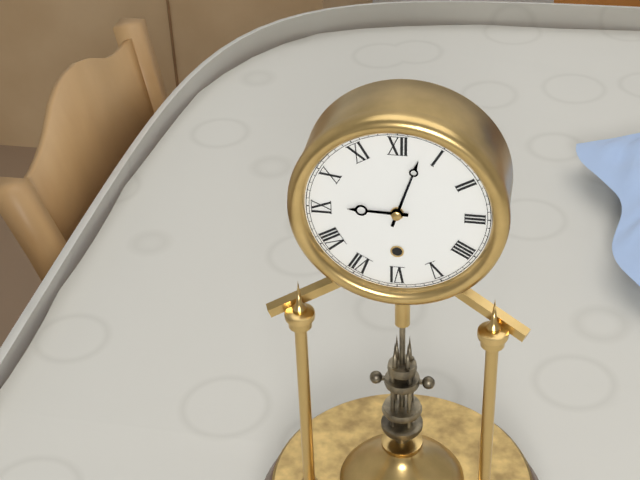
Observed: {"hour": 9, "minute": 3}
